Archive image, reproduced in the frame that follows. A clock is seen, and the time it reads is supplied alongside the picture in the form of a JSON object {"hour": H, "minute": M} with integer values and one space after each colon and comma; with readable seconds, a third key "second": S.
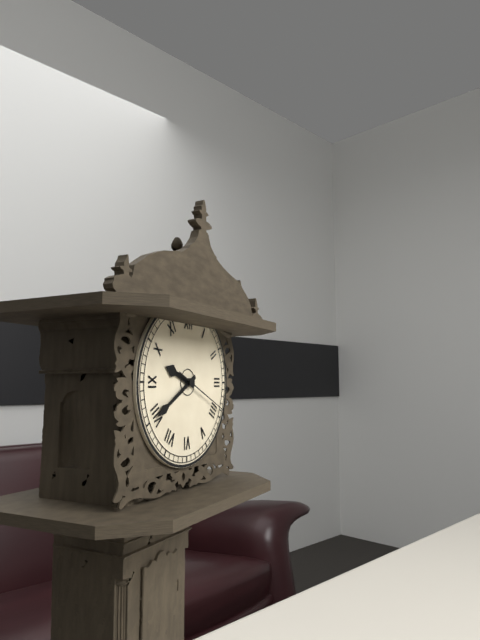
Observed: {"hour": 9, "minute": 40, "second": 19}
